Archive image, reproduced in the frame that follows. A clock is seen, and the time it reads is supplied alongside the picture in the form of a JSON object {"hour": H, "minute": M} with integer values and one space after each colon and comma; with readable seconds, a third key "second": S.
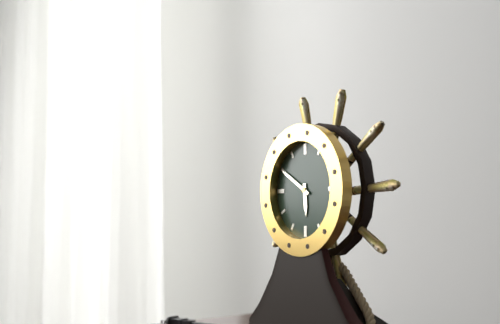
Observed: {"hour": 5, "minute": 50}
